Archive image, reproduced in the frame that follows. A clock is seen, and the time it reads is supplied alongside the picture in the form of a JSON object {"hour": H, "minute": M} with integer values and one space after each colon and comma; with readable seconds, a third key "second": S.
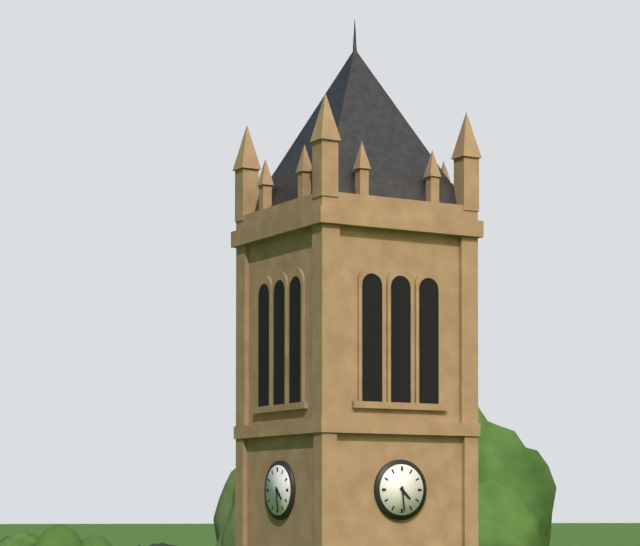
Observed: {"hour": 4, "minute": 29}
